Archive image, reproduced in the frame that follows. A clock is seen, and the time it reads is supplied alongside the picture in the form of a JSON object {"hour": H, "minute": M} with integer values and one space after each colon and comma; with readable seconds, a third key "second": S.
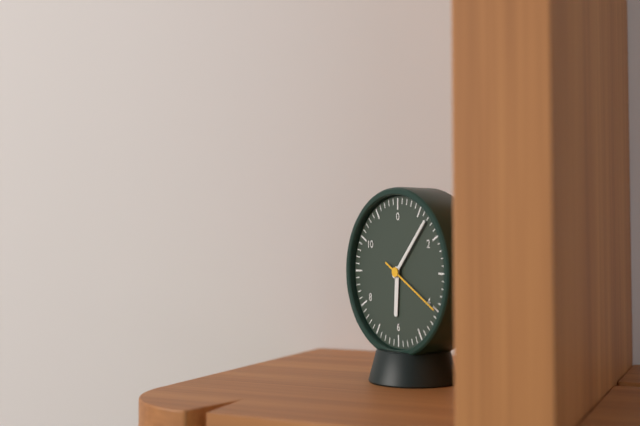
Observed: {"hour": 6, "minute": 7, "second": 20}
